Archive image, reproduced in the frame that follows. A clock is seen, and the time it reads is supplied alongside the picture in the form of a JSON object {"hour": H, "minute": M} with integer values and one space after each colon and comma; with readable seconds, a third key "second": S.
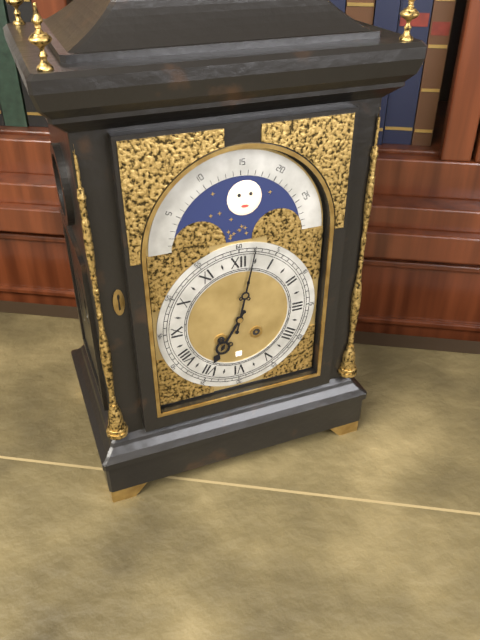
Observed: {"hour": 7, "minute": 2}
